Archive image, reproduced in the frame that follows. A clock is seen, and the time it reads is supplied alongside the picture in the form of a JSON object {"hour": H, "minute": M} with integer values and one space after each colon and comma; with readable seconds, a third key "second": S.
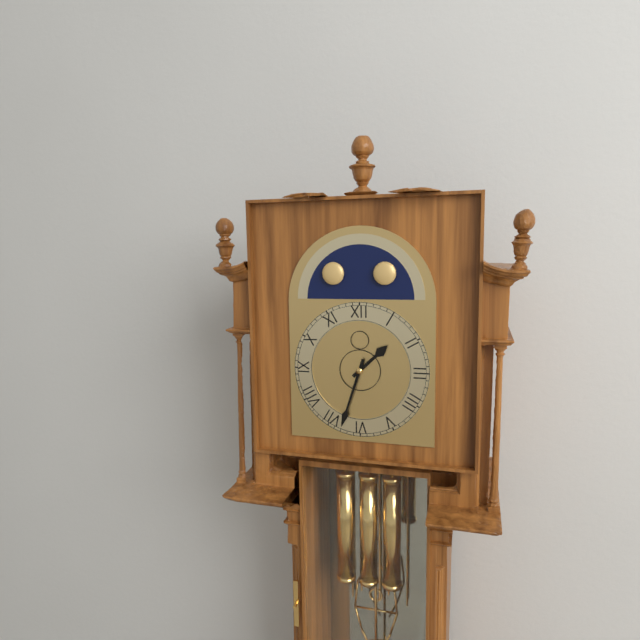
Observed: {"hour": 1, "minute": 33}
